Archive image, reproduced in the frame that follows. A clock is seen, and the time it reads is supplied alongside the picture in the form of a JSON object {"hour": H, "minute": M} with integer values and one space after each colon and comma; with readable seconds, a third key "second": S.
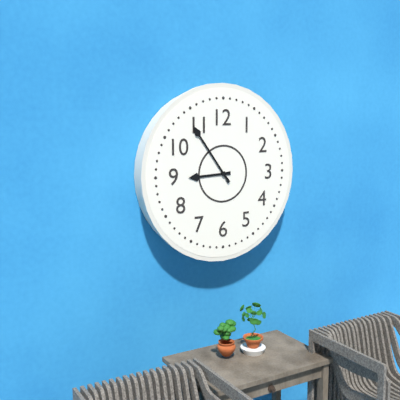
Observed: {"hour": 8, "minute": 54}
